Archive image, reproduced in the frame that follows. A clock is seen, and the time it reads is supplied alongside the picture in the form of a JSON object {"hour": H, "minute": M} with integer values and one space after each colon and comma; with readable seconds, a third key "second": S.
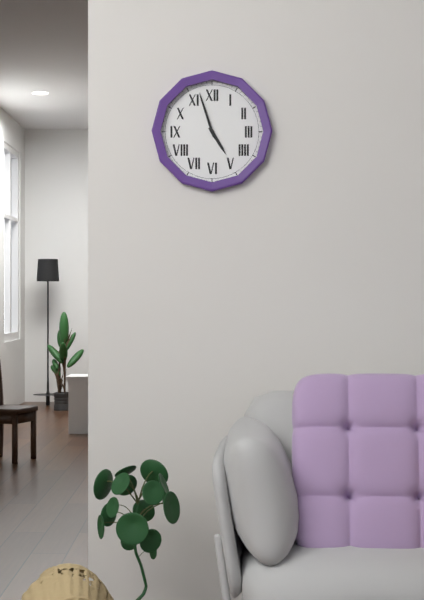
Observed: {"hour": 4, "minute": 57}
